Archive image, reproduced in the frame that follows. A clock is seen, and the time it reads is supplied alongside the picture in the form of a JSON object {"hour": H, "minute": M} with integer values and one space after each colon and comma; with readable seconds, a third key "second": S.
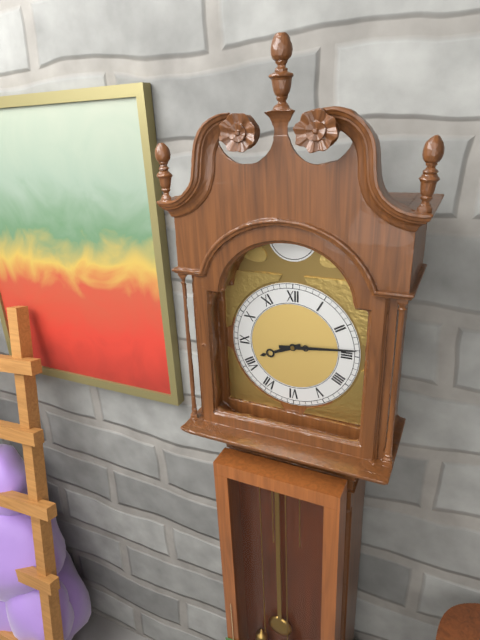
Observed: {"hour": 8, "minute": 14}
